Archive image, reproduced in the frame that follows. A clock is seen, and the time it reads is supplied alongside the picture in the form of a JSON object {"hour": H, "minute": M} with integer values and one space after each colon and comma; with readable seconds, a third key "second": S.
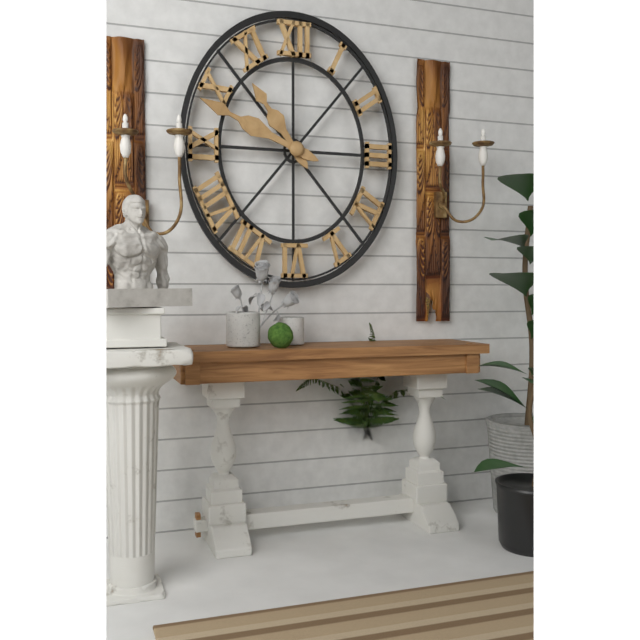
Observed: {"hour": 10, "minute": 49}
